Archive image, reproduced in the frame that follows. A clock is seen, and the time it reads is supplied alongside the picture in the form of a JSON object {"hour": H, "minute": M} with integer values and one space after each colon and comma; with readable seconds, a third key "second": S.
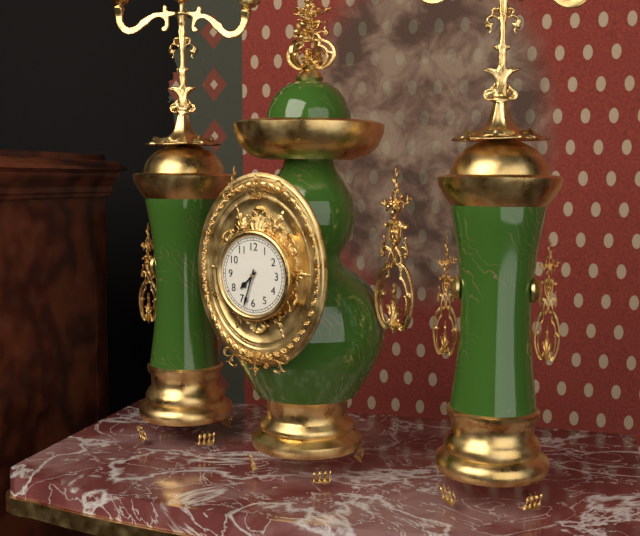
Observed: {"hour": 7, "minute": 33}
